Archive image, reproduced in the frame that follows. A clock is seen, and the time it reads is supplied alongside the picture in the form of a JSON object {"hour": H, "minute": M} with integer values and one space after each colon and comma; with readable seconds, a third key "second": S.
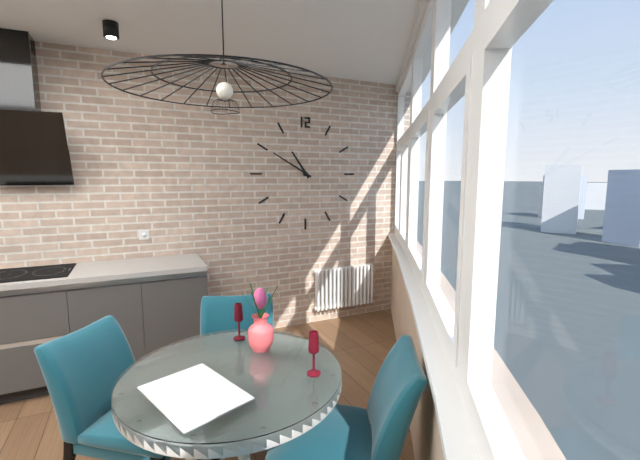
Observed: {"hour": 10, "minute": 50}
